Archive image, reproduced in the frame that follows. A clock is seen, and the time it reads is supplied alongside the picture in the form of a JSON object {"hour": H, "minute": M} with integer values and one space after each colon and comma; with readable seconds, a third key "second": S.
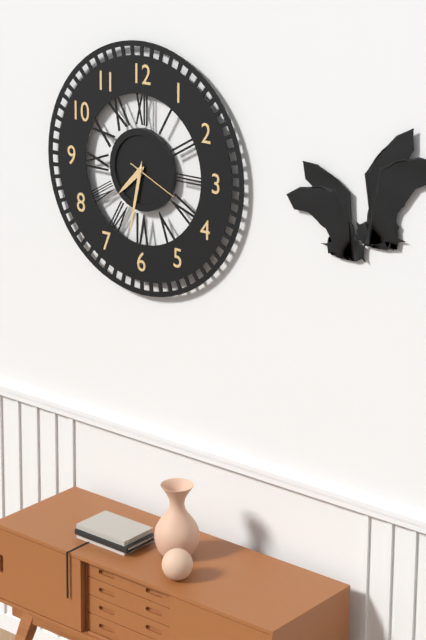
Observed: {"hour": 7, "minute": 32, "second": 19}
